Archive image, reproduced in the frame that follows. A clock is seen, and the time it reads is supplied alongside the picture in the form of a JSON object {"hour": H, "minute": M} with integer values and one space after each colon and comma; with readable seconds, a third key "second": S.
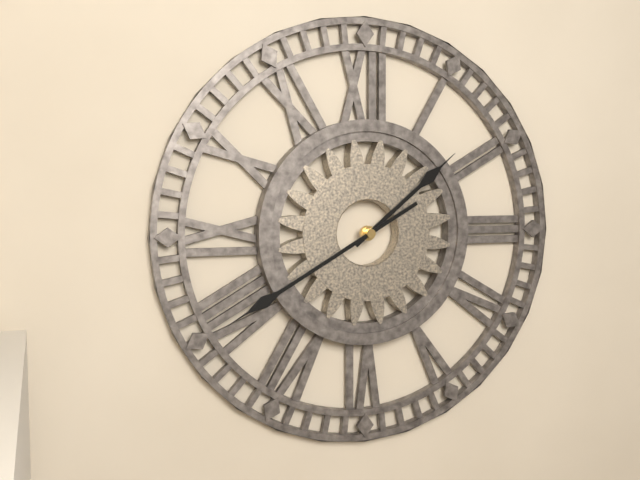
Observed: {"hour": 1, "minute": 40}
